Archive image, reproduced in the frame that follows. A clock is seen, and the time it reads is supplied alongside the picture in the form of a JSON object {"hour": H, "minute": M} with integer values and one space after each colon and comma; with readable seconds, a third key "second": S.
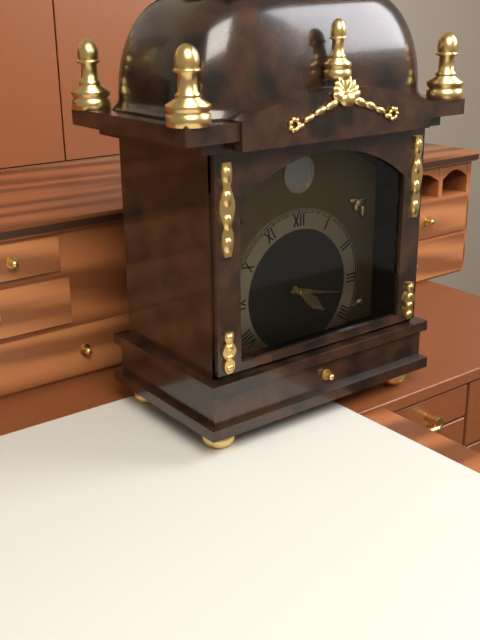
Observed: {"hour": 4, "minute": 17}
